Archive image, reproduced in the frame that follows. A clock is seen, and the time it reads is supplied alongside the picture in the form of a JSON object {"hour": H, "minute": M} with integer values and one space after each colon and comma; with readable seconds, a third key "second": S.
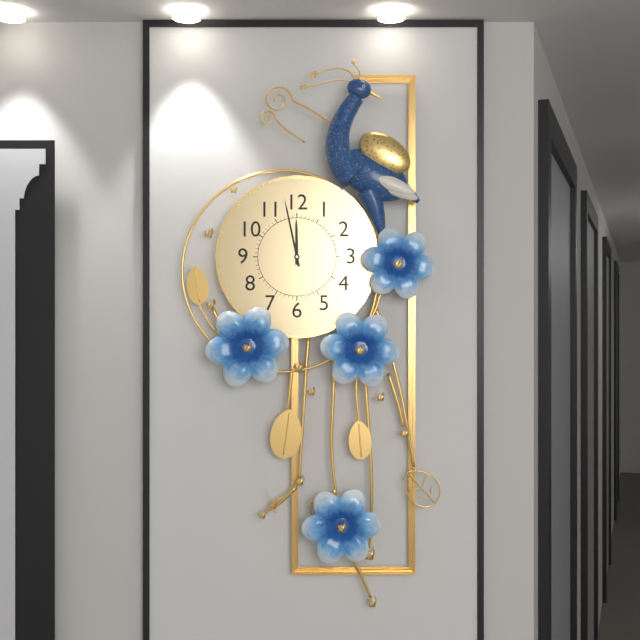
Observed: {"hour": 11, "minute": 58}
